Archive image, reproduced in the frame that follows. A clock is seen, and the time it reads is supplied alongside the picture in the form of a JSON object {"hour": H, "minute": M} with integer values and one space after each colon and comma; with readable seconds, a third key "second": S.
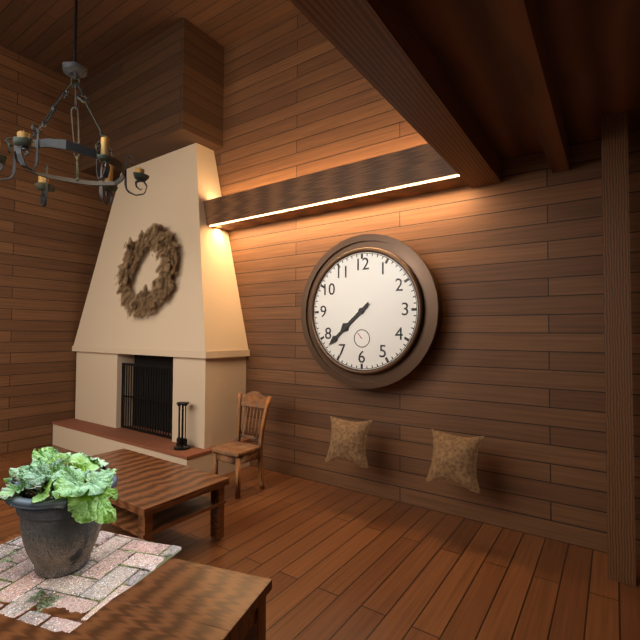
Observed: {"hour": 7, "minute": 38}
